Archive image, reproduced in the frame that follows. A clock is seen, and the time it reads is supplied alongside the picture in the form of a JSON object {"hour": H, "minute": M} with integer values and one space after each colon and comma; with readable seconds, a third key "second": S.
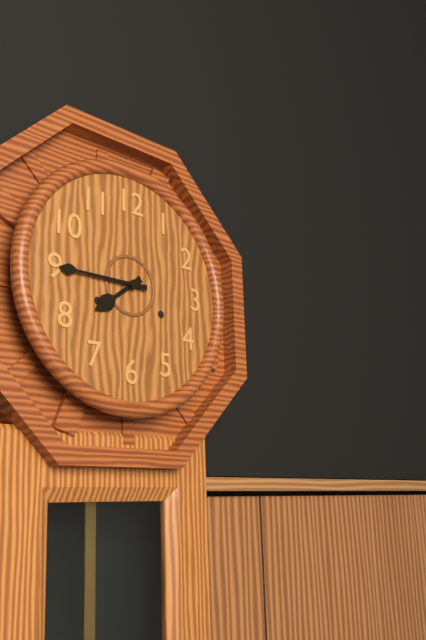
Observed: {"hour": 7, "minute": 45}
